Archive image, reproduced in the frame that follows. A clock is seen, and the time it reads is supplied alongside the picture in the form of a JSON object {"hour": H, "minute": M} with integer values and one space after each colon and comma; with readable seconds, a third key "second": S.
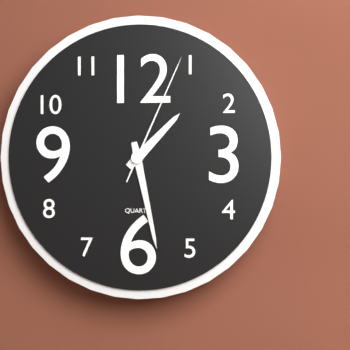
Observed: {"hour": 1, "minute": 28, "second": 4}
